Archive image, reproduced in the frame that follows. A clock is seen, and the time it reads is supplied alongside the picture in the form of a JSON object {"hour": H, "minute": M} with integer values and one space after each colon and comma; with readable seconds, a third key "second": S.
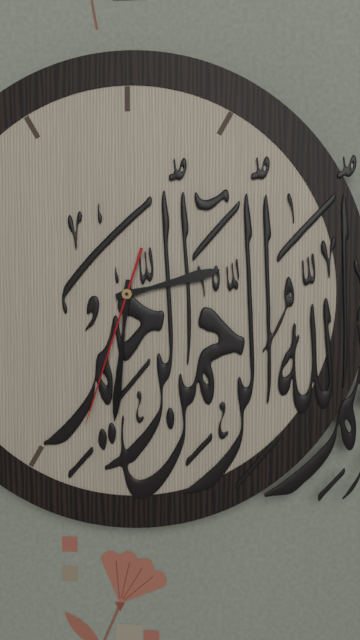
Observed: {"hour": 2, "minute": 31, "second": 33}
